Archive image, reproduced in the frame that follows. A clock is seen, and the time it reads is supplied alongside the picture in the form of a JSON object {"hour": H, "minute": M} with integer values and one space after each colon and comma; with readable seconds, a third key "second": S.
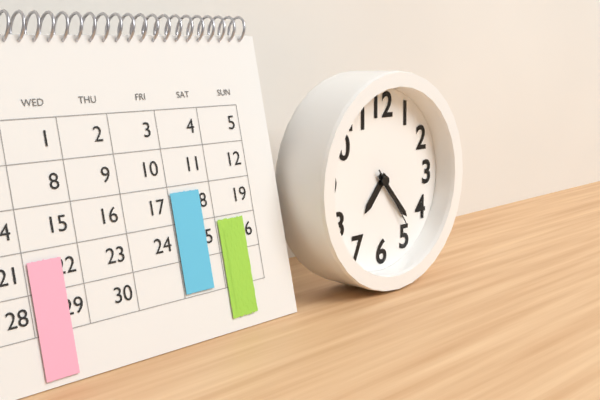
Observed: {"hour": 7, "minute": 23, "second": 24}
